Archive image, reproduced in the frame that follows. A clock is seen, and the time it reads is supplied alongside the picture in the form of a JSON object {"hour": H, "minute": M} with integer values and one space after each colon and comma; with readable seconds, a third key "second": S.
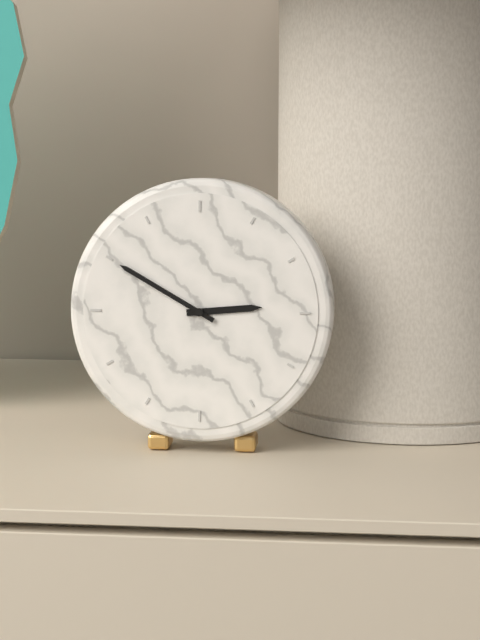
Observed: {"hour": 2, "minute": 50}
